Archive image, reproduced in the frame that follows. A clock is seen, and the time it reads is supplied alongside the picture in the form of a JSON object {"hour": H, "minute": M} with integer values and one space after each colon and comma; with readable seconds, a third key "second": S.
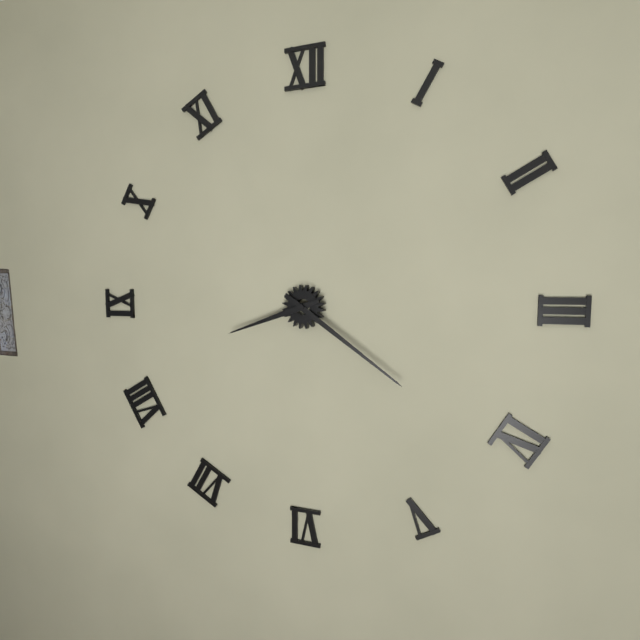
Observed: {"hour": 8, "minute": 21}
